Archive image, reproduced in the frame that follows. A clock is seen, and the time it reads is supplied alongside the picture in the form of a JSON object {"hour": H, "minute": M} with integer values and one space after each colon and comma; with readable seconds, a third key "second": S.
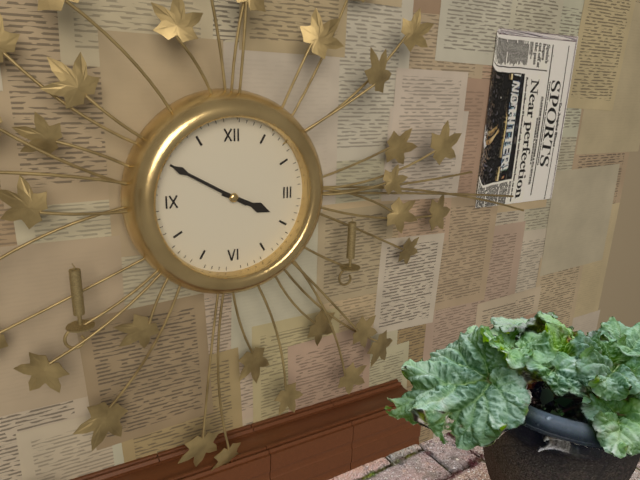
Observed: {"hour": 3, "minute": 50}
